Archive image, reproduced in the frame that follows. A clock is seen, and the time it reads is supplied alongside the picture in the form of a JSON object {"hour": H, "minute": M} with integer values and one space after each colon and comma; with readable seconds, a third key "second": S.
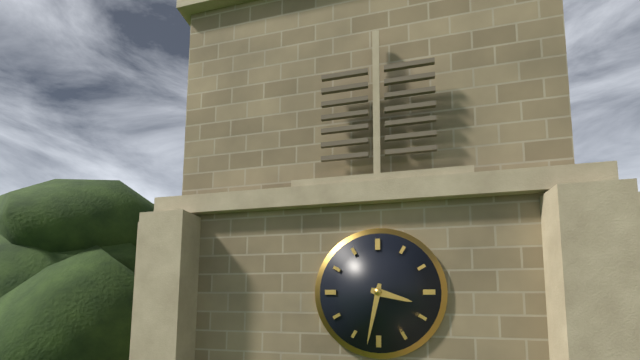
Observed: {"hour": 3, "minute": 32}
